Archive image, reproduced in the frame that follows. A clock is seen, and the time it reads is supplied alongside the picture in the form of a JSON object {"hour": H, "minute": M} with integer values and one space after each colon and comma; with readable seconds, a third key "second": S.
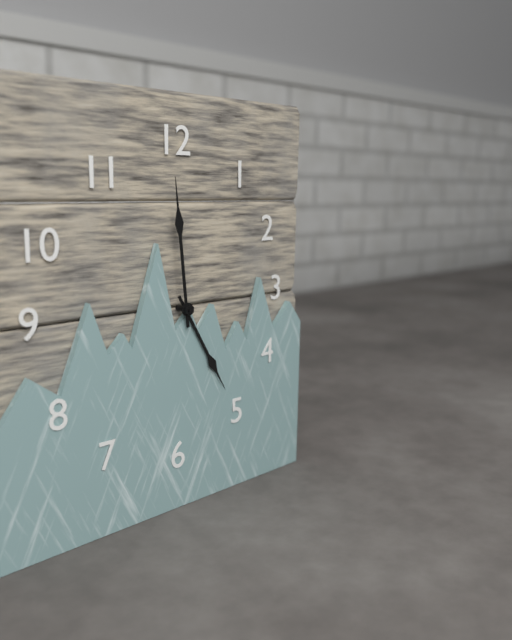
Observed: {"hour": 4, "minute": 59}
